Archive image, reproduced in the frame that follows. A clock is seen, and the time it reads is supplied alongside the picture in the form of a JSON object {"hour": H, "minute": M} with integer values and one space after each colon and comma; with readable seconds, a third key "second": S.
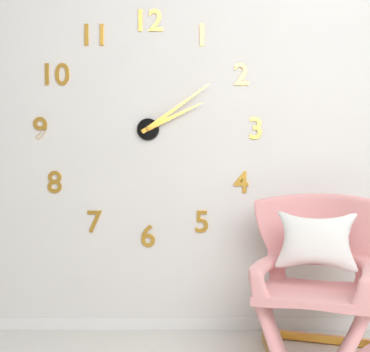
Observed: {"hour": 2, "minute": 9}
